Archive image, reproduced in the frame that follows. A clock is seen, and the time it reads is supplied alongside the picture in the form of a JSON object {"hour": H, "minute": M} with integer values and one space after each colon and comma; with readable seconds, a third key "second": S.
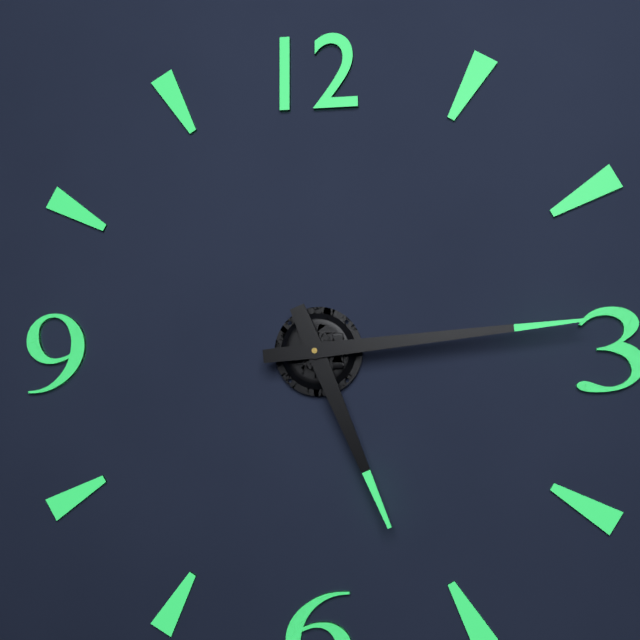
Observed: {"hour": 5, "minute": 14}
